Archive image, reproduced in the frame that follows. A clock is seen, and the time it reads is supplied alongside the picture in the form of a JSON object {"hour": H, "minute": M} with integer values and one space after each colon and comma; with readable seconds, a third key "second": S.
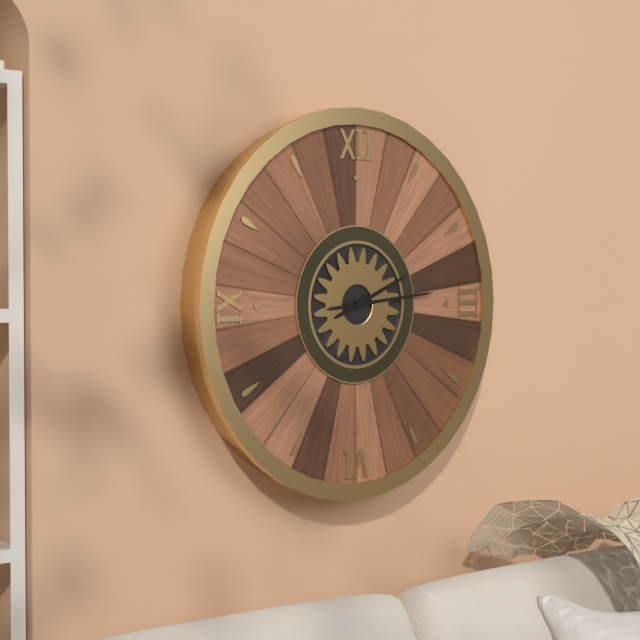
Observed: {"hour": 2, "minute": 14}
